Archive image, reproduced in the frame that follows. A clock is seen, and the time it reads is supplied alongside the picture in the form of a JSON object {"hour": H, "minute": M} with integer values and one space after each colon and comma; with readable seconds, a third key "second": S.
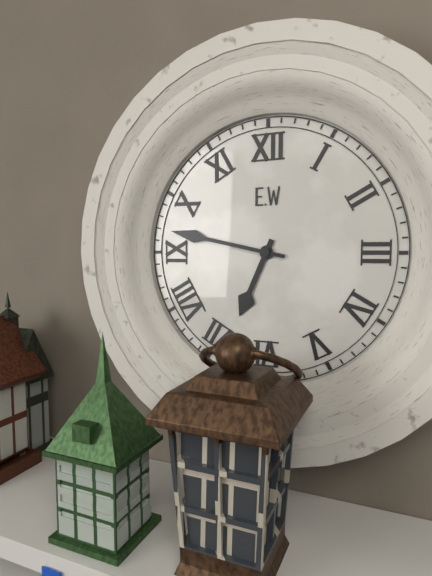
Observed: {"hour": 6, "minute": 47}
